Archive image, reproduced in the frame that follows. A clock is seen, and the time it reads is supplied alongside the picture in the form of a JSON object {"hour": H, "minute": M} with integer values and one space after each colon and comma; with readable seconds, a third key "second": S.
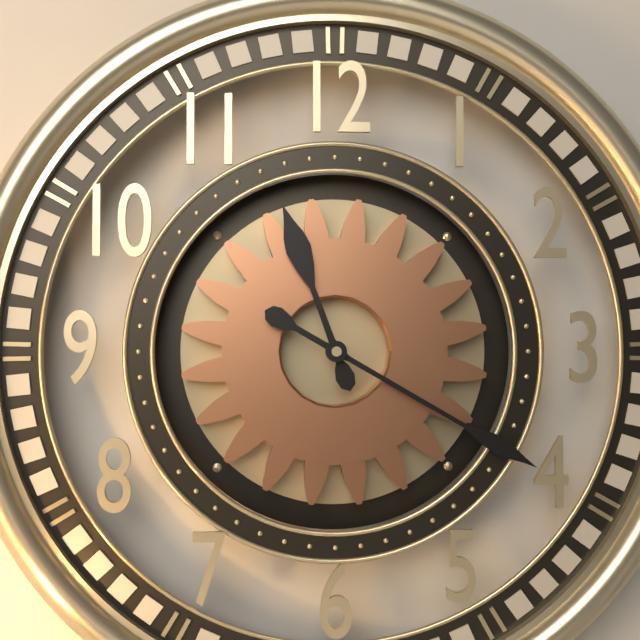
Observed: {"hour": 11, "minute": 20}
